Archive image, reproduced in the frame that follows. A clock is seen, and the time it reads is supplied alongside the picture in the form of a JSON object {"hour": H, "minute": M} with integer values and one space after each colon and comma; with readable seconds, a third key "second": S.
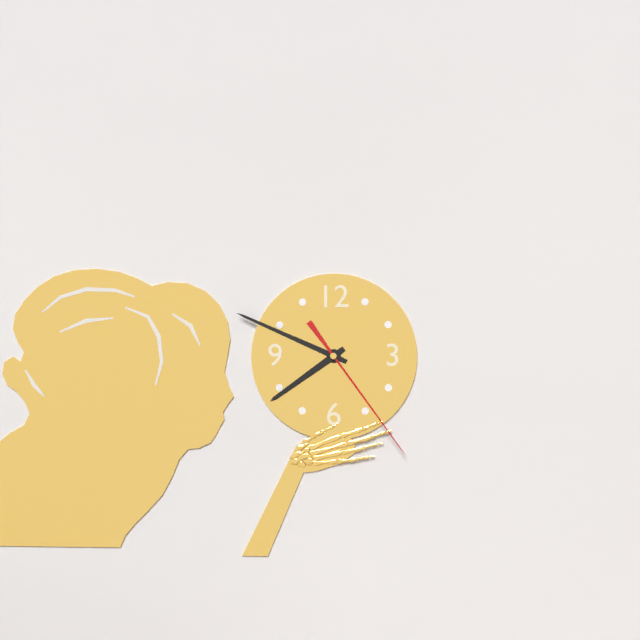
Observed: {"hour": 7, "minute": 49, "second": 24}
